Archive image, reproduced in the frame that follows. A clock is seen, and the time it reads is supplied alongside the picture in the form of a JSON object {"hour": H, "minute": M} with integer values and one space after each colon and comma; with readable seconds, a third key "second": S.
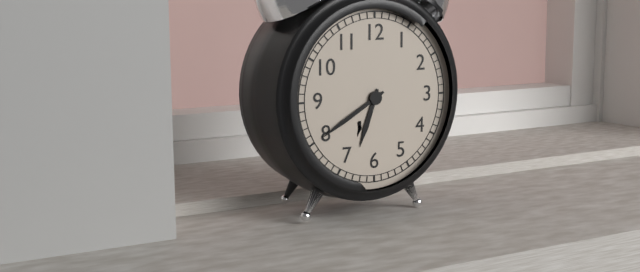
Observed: {"hour": 6, "minute": 40}
